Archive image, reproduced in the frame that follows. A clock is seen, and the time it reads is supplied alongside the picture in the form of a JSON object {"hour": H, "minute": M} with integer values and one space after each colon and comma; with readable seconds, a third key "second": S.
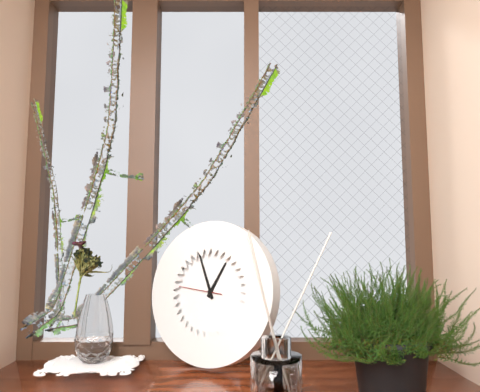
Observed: {"hour": 12, "minute": 56}
